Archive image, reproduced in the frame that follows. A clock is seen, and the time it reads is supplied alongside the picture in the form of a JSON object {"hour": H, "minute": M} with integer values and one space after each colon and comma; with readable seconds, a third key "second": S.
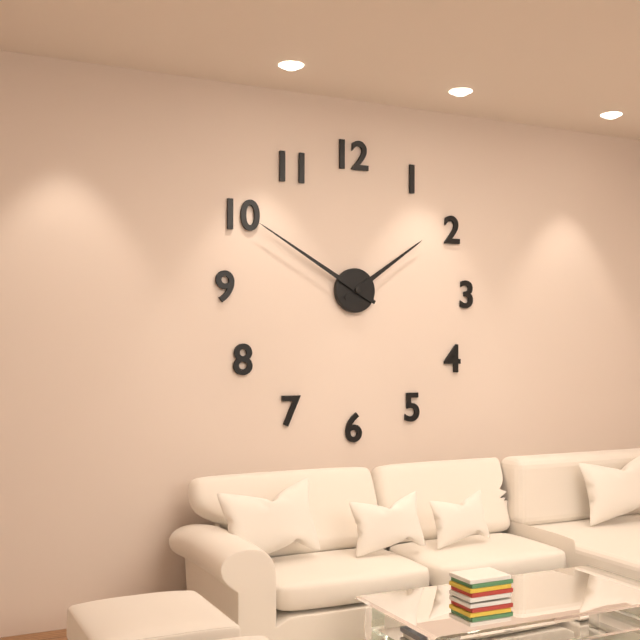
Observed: {"hour": 1, "minute": 50}
